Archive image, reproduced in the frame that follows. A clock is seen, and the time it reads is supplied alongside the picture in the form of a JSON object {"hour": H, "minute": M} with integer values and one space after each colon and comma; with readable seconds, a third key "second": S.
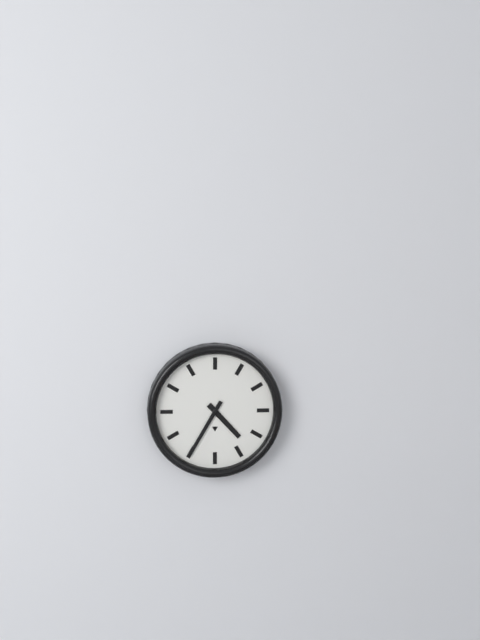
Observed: {"hour": 4, "minute": 35}
